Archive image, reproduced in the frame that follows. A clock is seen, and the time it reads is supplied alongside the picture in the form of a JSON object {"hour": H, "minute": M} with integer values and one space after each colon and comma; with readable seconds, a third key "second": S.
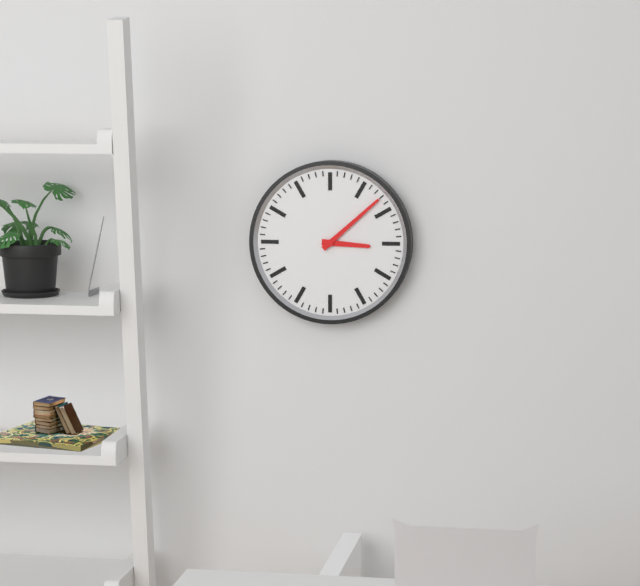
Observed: {"hour": 3, "minute": 8}
